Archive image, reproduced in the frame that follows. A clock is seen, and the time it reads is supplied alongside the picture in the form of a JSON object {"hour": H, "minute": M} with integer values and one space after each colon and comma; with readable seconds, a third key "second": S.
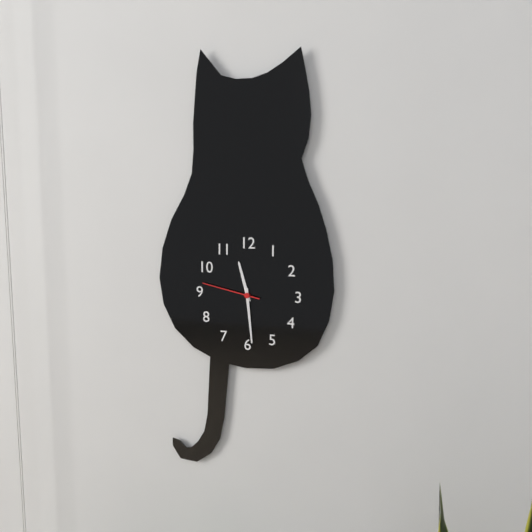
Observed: {"hour": 11, "minute": 29, "second": 47}
